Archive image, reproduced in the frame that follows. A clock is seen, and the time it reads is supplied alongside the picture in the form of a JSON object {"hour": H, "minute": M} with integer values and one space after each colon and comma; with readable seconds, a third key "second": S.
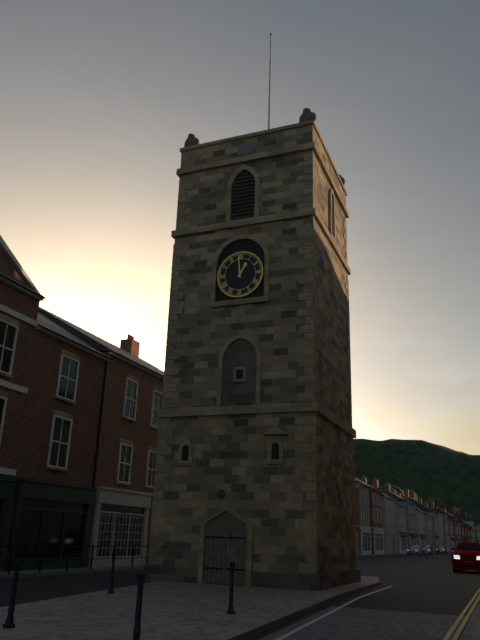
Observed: {"hour": 12, "minute": 59}
